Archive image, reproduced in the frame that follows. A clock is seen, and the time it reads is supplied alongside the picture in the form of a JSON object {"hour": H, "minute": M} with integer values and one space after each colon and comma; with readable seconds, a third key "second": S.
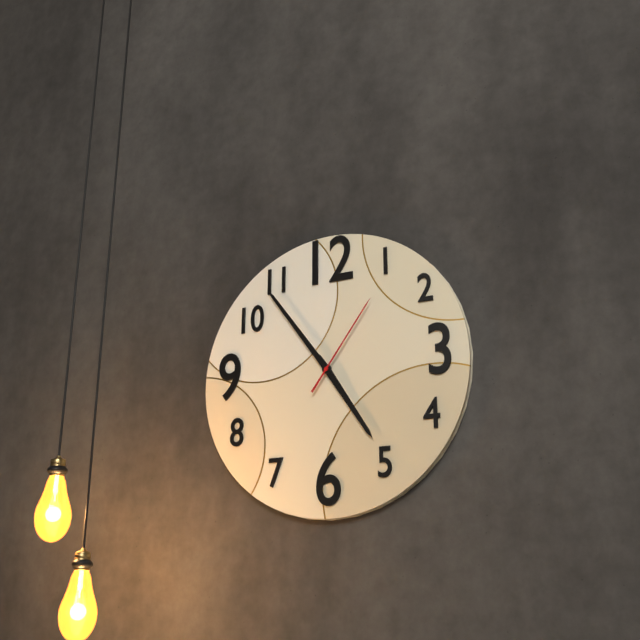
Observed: {"hour": 4, "minute": 54, "second": 6}
